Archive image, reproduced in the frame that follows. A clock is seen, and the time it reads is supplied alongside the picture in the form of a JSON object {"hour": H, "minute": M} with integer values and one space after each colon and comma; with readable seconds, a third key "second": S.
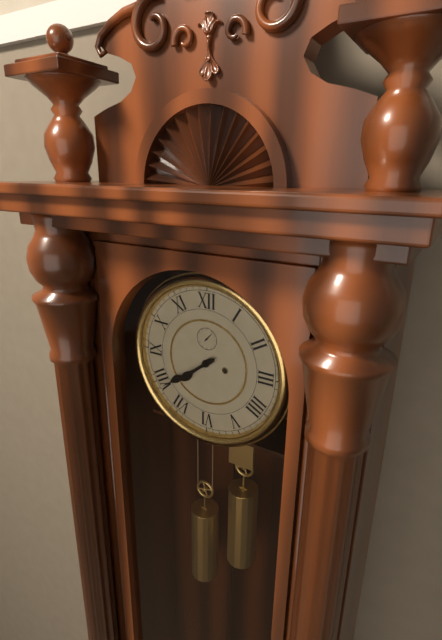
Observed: {"hour": 7, "minute": 39}
